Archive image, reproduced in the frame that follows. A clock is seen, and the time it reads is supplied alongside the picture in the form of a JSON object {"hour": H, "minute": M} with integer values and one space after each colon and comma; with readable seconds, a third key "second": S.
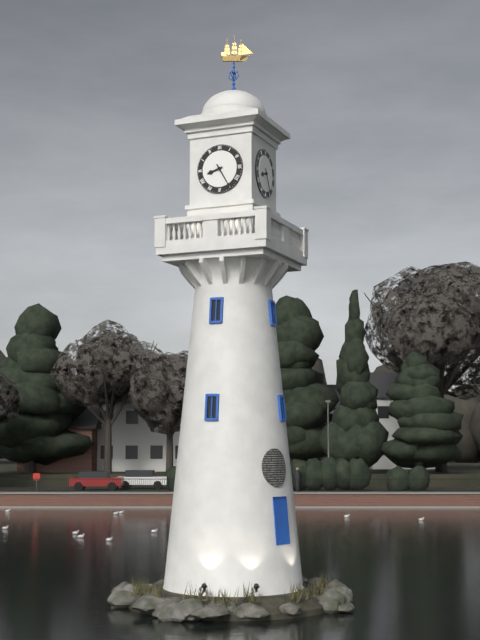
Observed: {"hour": 8, "minute": 25}
